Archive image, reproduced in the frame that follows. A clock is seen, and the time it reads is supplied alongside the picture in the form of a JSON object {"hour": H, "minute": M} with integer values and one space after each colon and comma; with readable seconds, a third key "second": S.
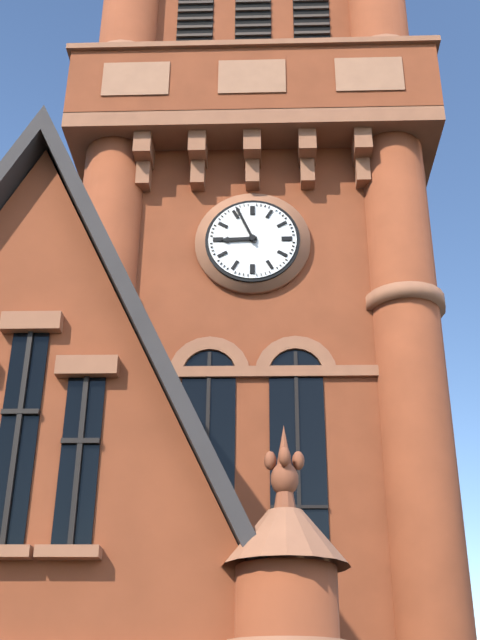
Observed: {"hour": 8, "minute": 56}
